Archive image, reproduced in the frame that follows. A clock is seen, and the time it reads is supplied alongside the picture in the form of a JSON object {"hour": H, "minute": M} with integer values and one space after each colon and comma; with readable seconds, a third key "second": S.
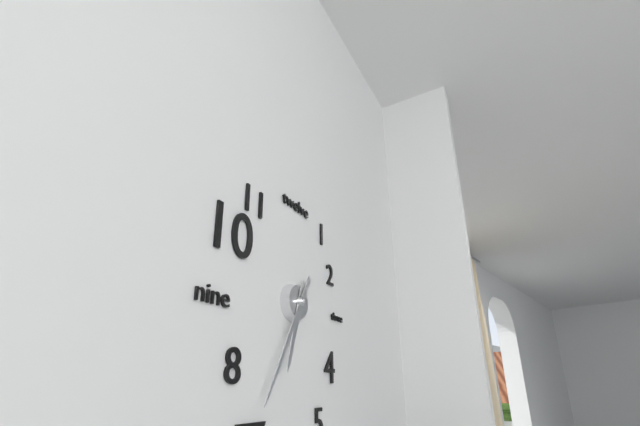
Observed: {"hour": 6, "minute": 35}
